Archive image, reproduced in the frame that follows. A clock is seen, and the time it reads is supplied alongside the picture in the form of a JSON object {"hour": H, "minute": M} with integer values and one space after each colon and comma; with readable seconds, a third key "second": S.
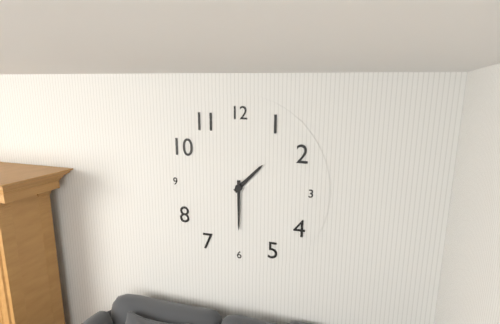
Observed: {"hour": 1, "minute": 30}
